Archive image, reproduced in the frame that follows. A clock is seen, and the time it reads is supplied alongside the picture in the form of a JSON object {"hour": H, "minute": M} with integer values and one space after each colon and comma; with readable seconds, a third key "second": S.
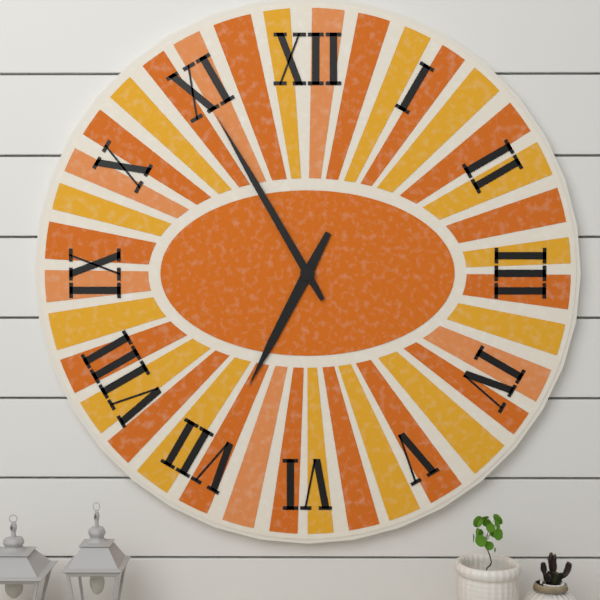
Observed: {"hour": 6, "minute": 55}
